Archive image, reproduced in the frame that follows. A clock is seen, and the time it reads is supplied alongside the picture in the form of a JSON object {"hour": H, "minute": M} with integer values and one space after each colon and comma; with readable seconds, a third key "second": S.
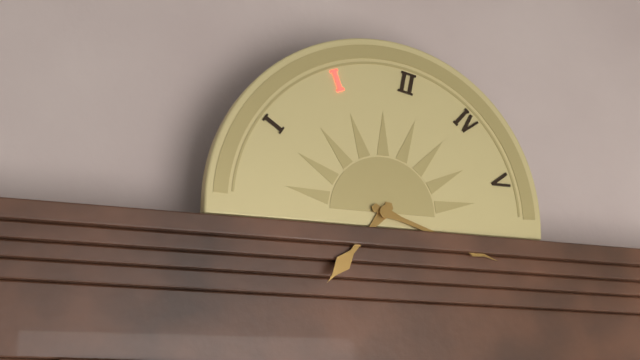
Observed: {"hour": 7, "minute": 18}
